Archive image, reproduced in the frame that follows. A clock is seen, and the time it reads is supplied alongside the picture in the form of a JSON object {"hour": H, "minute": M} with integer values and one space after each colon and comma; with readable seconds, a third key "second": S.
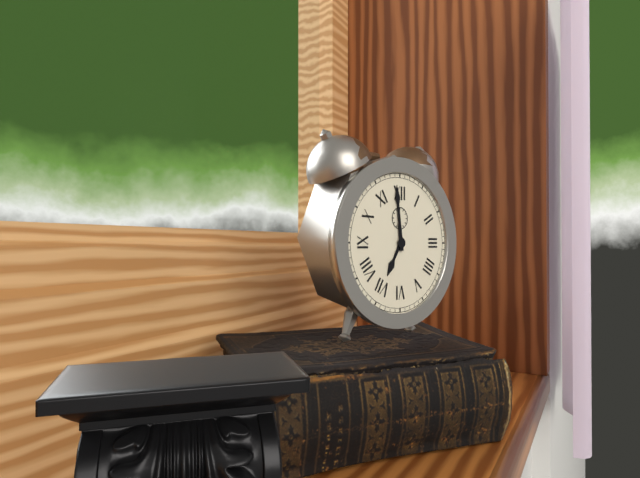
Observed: {"hour": 6, "minute": 59}
